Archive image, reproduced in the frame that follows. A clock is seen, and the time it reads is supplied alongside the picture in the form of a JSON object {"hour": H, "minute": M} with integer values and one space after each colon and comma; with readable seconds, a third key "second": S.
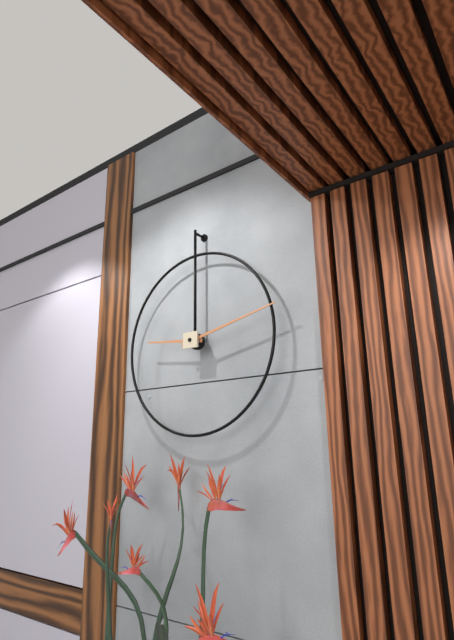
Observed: {"hour": 9, "minute": 13}
